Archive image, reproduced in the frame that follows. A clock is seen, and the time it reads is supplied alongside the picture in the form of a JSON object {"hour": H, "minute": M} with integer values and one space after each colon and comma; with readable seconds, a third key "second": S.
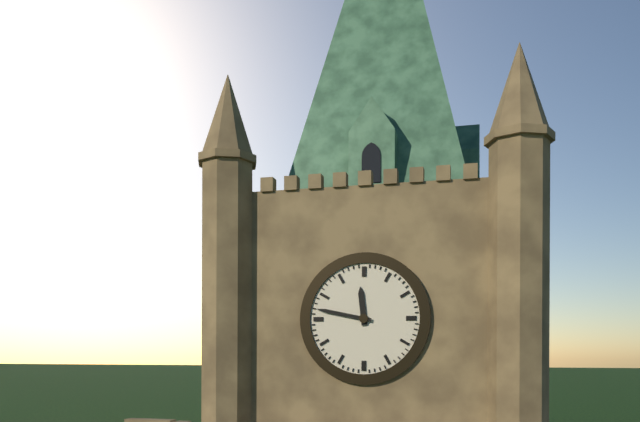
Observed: {"hour": 11, "minute": 47}
